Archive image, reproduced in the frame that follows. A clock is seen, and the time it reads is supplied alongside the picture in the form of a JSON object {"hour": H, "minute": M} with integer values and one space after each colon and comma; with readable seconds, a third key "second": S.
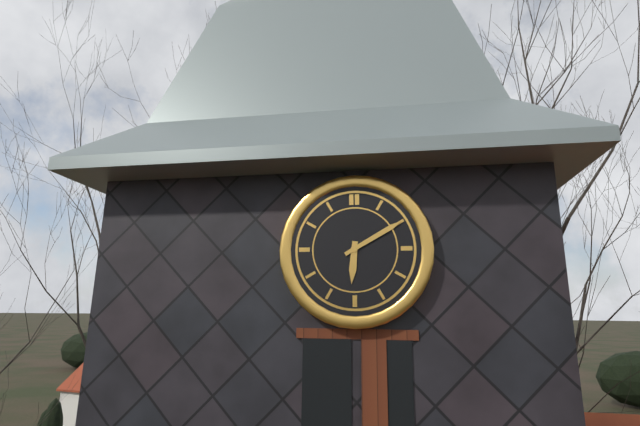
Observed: {"hour": 6, "minute": 10}
